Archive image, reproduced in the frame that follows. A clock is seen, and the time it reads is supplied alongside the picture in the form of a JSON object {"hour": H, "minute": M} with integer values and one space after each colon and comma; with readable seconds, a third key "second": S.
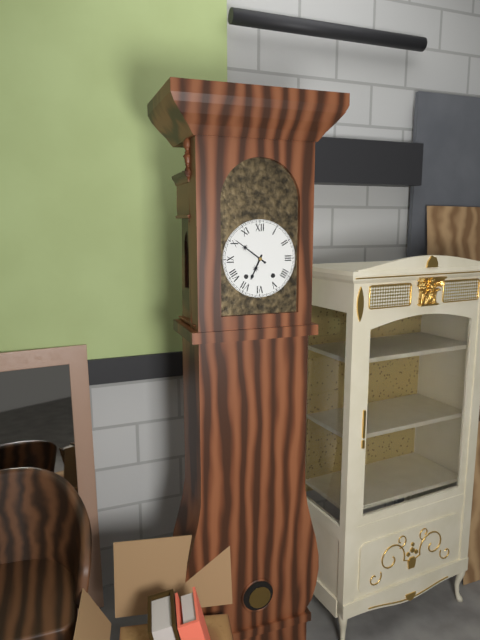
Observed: {"hour": 6, "minute": 51}
